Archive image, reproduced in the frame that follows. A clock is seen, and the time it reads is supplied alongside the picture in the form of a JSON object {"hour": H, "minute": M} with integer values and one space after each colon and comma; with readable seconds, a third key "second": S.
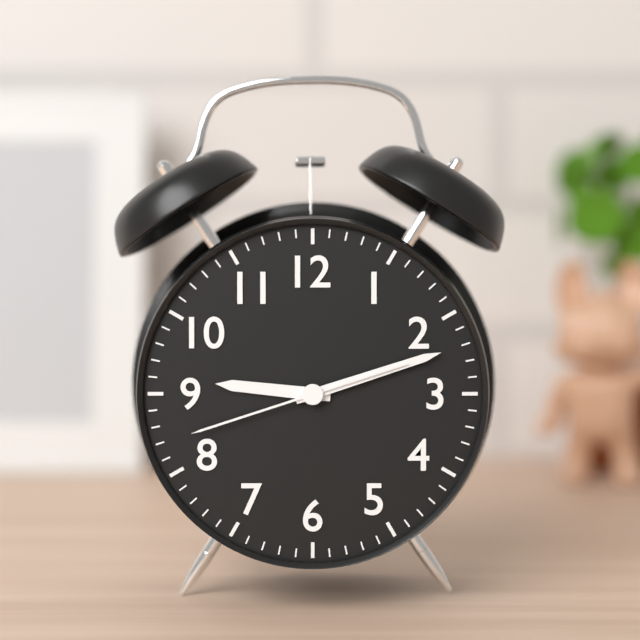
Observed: {"hour": 9, "minute": 12, "second": 42}
